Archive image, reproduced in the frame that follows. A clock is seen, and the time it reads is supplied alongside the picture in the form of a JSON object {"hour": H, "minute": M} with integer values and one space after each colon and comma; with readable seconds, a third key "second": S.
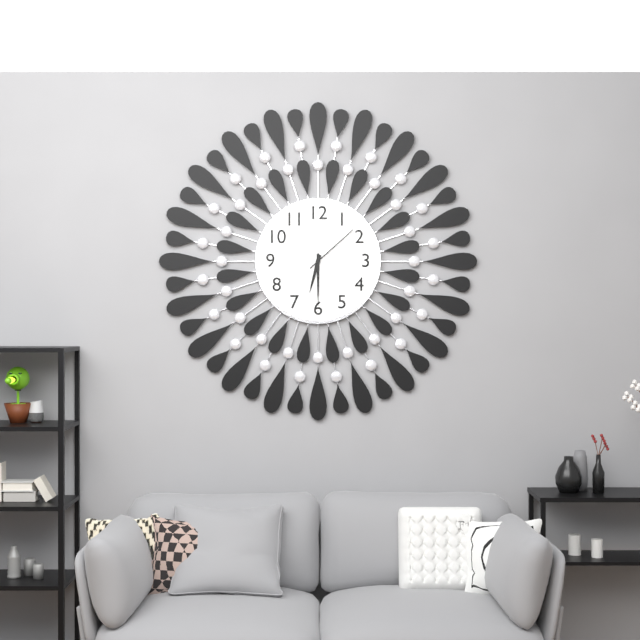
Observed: {"hour": 6, "minute": 30, "second": 8}
